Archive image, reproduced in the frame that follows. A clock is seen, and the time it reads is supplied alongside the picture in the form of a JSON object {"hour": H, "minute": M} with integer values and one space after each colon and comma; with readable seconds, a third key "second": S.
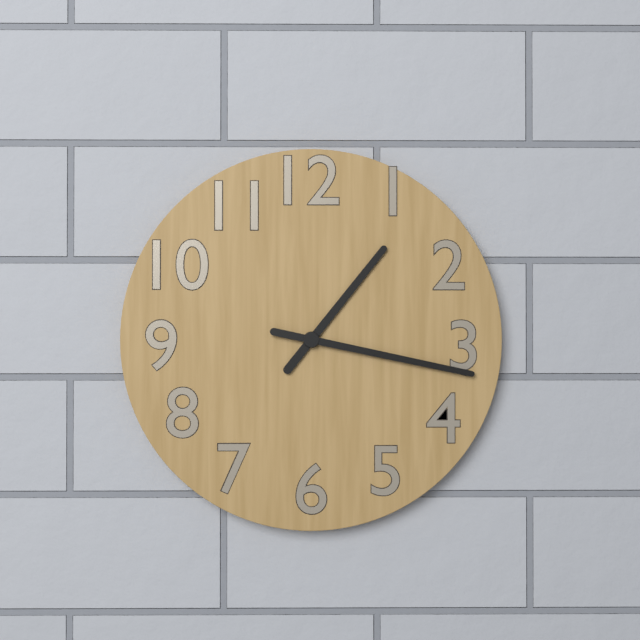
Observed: {"hour": 1, "minute": 17}
